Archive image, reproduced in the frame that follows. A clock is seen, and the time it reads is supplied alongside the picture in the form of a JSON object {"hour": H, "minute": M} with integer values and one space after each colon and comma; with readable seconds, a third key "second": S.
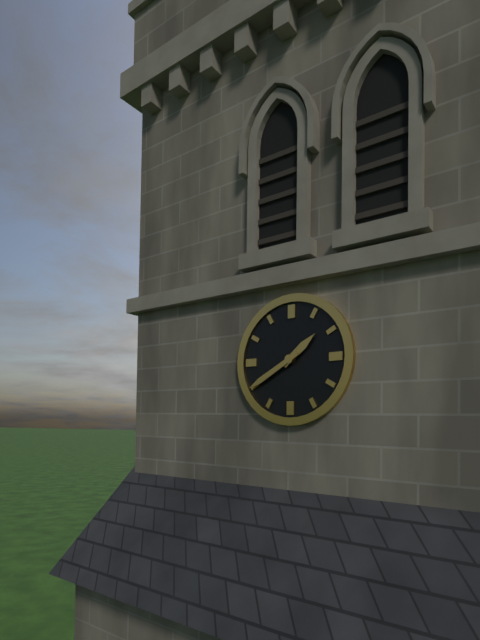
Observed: {"hour": 1, "minute": 40}
